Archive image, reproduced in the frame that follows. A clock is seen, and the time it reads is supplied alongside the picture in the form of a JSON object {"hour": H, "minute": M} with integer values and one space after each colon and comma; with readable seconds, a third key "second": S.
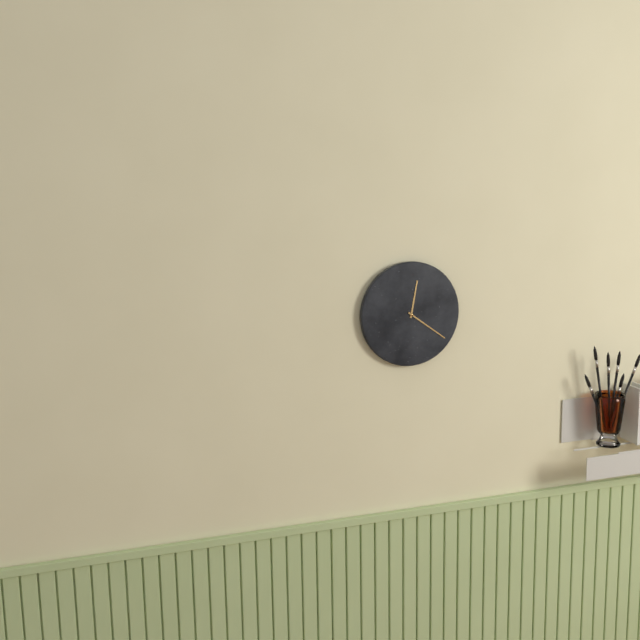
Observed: {"hour": 12, "minute": 21}
